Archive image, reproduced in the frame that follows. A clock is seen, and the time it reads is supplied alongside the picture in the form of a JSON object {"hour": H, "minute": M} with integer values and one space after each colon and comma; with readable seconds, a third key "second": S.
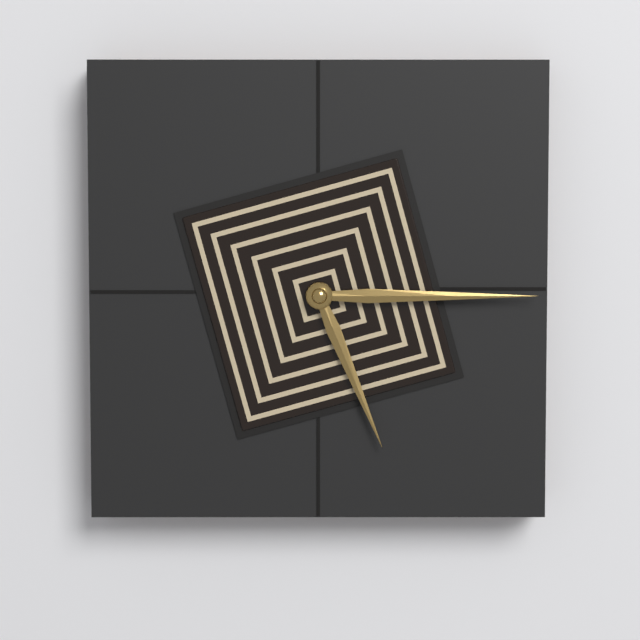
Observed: {"hour": 5, "minute": 15}
